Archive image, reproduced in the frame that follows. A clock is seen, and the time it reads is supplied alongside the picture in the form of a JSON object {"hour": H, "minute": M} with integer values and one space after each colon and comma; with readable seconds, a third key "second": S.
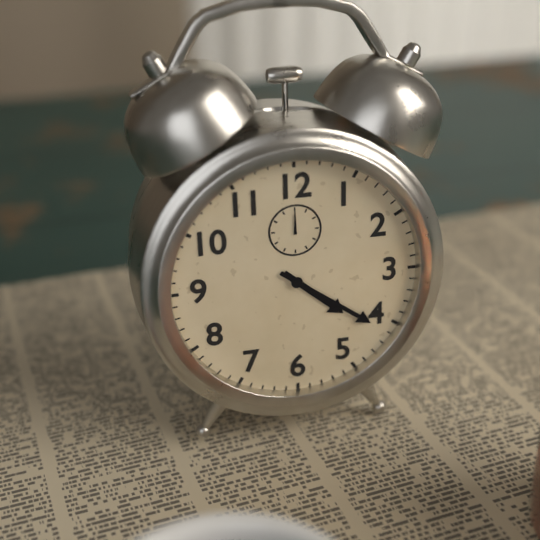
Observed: {"hour": 4, "minute": 21}
